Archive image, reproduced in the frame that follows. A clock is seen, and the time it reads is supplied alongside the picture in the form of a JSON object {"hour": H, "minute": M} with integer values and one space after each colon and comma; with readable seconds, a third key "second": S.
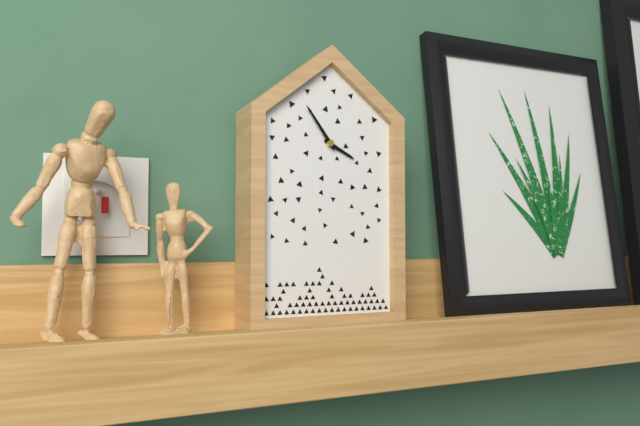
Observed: {"hour": 3, "minute": 54}
